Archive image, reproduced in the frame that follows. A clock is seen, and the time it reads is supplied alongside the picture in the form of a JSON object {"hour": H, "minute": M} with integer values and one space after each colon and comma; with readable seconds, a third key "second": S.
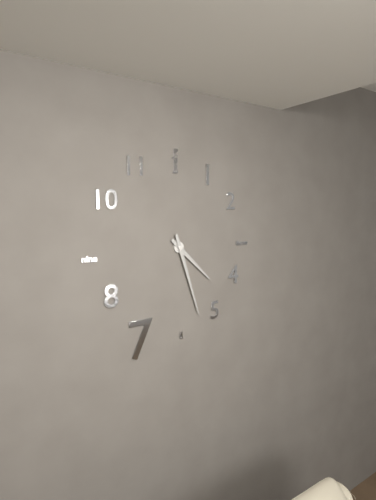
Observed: {"hour": 4, "minute": 27}
